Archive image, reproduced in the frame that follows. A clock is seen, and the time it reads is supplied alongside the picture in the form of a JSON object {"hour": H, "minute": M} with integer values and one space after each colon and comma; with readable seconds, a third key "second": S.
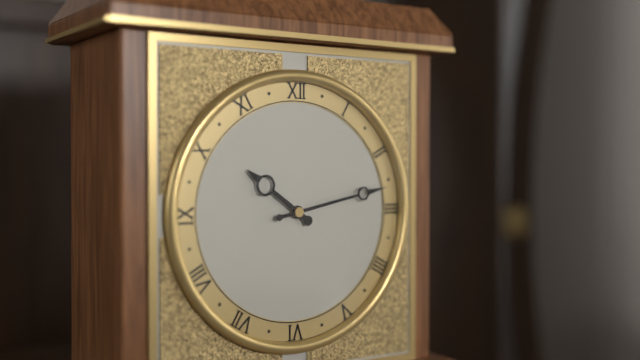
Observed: {"hour": 10, "minute": 13}
